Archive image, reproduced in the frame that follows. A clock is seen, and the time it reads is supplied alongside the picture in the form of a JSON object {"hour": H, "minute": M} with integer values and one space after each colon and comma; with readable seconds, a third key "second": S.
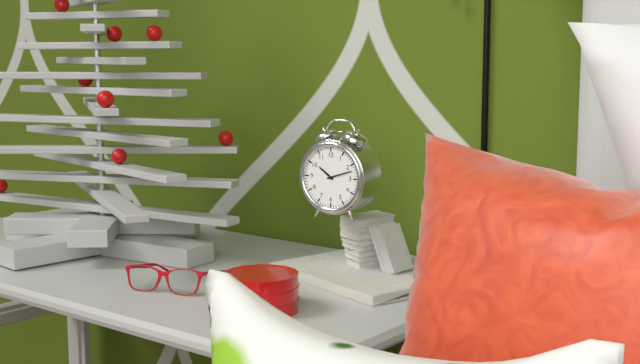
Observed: {"hour": 10, "minute": 12}
